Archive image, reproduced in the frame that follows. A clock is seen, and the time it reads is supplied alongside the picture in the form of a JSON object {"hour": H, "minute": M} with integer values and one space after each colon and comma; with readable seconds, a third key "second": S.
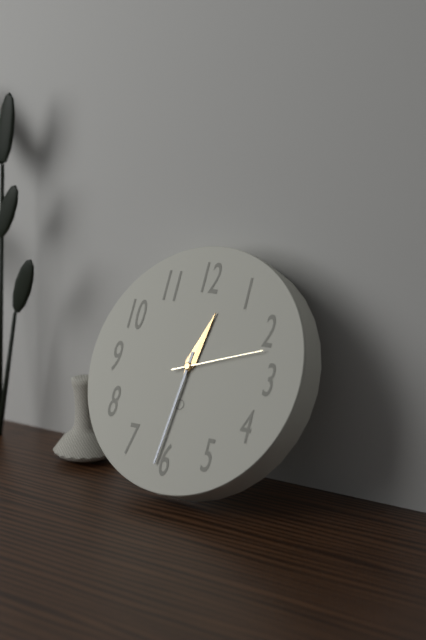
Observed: {"hour": 12, "minute": 31, "second": 12}
